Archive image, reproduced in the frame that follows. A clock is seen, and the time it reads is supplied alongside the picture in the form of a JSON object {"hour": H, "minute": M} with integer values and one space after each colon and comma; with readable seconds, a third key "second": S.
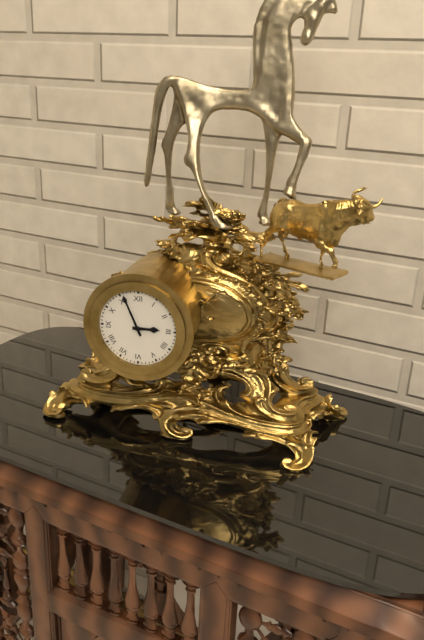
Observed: {"hour": 2, "minute": 56}
